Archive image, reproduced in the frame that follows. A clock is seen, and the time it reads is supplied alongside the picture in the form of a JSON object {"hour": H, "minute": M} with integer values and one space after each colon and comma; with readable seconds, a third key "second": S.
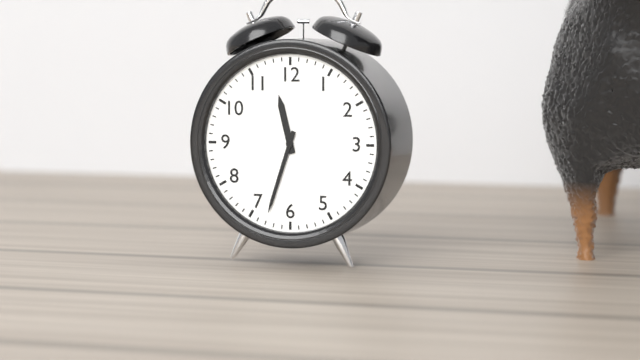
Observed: {"hour": 11, "minute": 33}
